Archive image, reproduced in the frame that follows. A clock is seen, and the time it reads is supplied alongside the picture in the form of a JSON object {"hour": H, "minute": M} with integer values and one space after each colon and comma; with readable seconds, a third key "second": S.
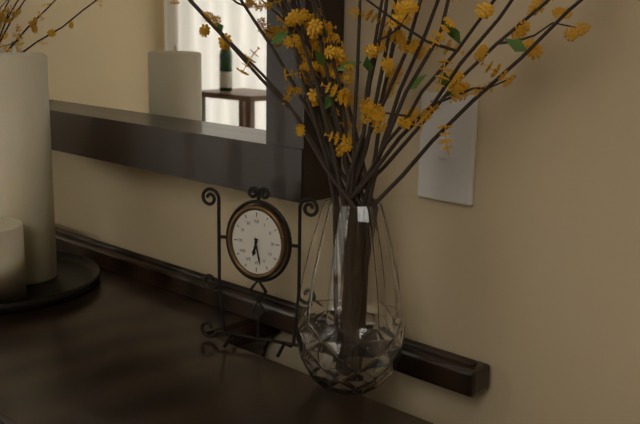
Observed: {"hour": 6, "minute": 28}
